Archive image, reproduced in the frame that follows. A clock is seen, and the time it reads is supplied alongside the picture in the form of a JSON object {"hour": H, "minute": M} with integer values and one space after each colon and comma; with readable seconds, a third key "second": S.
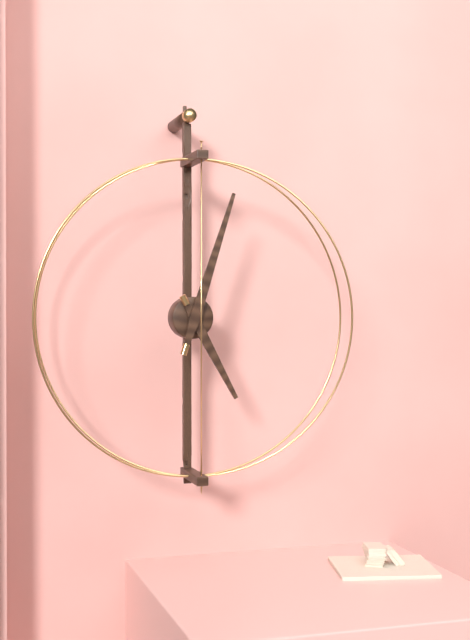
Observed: {"hour": 5, "minute": 3}
